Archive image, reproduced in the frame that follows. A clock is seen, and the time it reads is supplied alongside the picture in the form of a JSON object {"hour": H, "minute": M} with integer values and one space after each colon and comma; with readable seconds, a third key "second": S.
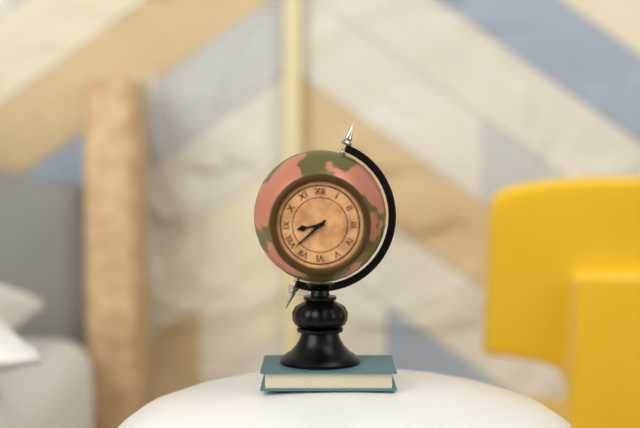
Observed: {"hour": 8, "minute": 38}
